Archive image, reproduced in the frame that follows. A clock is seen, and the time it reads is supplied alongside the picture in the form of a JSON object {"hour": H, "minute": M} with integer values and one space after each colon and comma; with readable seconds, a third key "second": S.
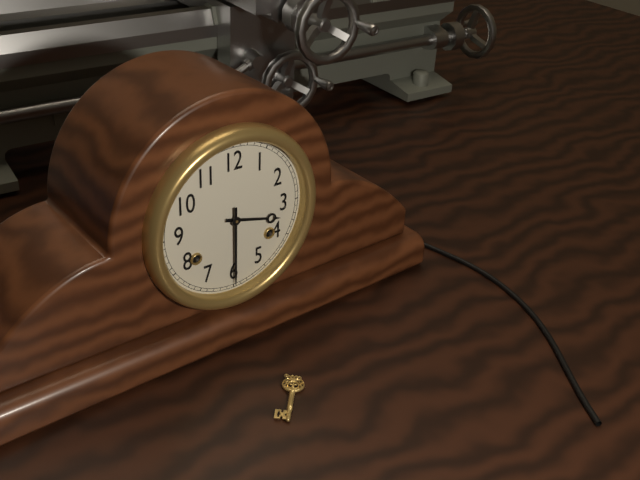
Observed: {"hour": 3, "minute": 30}
